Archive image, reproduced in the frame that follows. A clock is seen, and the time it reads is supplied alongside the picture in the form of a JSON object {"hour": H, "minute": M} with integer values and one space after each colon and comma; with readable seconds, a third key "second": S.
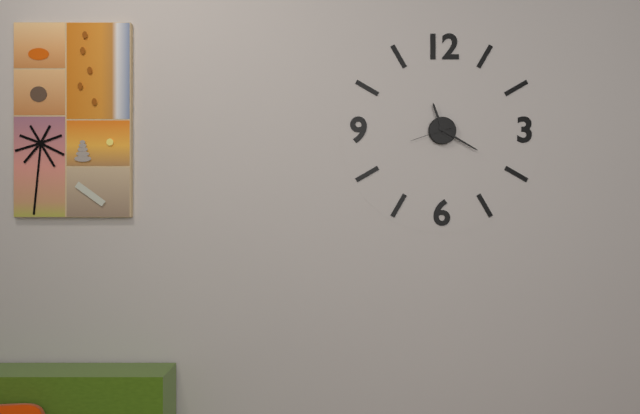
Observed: {"hour": 11, "minute": 20}
